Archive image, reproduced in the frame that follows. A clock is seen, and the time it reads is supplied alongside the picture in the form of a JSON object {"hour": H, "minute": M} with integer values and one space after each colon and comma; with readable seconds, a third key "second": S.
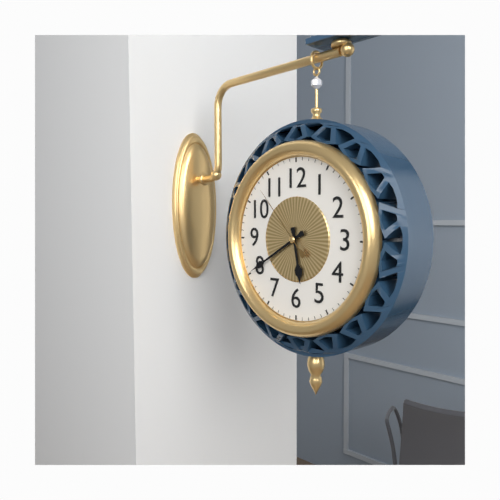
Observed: {"hour": 5, "minute": 40, "second": 53}
